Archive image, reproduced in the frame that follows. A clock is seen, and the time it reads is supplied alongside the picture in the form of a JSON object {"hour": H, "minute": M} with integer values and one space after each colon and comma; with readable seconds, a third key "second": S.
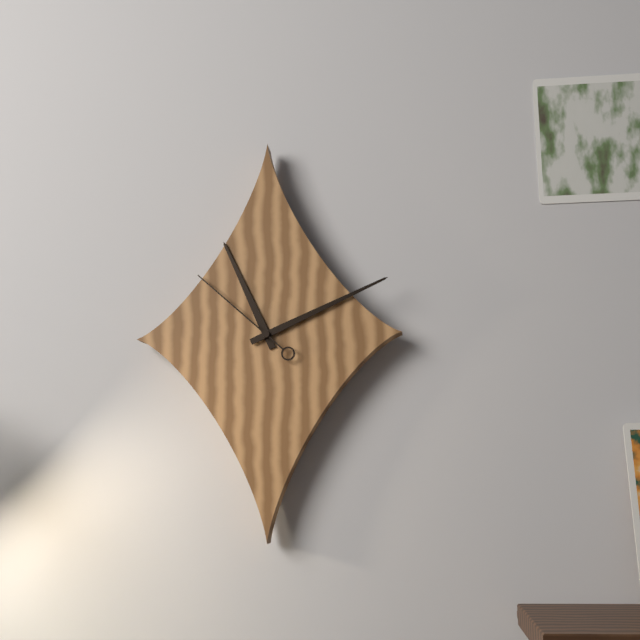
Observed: {"hour": 11, "minute": 11, "second": 52}
